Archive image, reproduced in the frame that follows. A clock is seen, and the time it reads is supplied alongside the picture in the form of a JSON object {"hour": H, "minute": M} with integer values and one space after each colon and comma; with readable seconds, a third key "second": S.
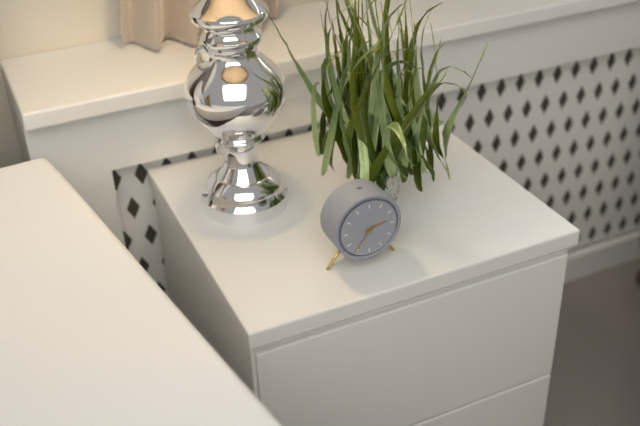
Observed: {"hour": 2, "minute": 36}
